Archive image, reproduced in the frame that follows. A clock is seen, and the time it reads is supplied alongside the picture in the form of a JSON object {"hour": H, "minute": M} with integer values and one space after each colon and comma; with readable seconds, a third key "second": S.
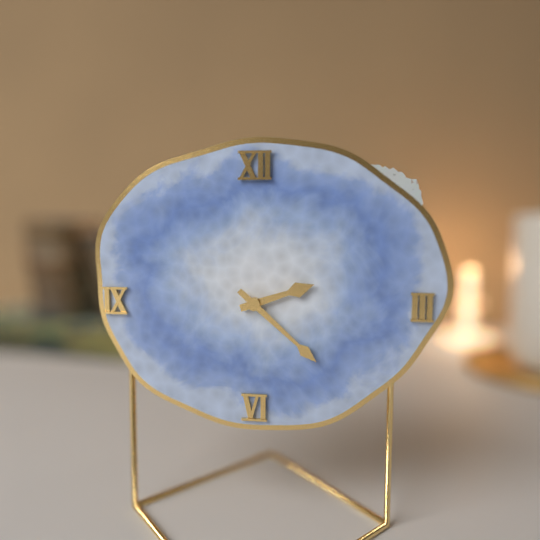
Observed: {"hour": 2, "minute": 22}
